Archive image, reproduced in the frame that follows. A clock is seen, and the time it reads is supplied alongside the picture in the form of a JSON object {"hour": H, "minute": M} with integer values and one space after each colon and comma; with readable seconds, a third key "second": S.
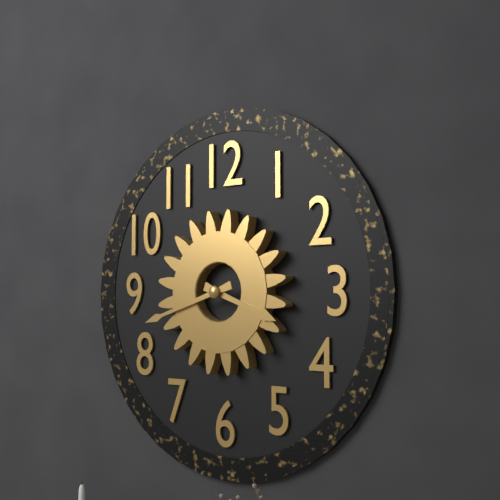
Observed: {"hour": 3, "minute": 42}
